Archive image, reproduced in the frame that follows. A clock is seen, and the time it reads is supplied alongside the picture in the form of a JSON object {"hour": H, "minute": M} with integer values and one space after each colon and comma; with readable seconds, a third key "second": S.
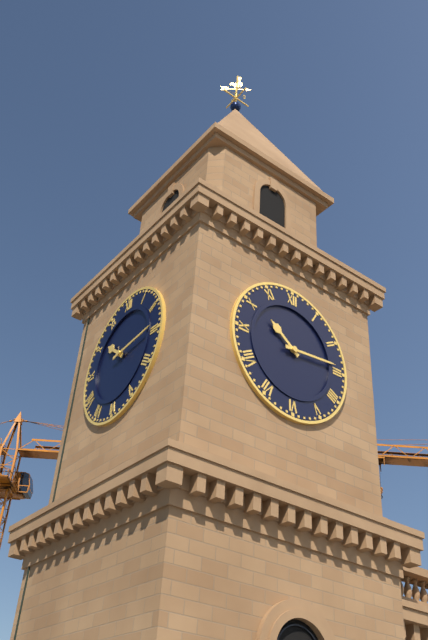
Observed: {"hour": 10, "minute": 14}
